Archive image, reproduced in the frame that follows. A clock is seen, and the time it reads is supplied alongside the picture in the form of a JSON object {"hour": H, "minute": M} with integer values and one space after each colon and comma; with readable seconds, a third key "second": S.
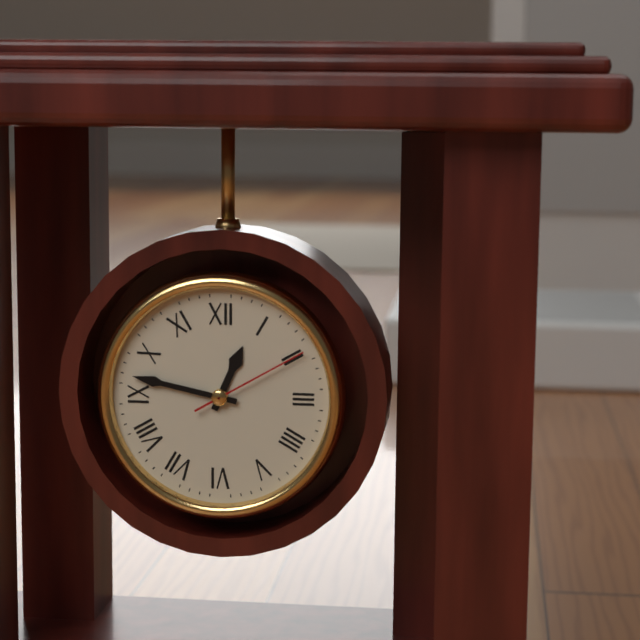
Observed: {"hour": 12, "minute": 47, "second": 10}
